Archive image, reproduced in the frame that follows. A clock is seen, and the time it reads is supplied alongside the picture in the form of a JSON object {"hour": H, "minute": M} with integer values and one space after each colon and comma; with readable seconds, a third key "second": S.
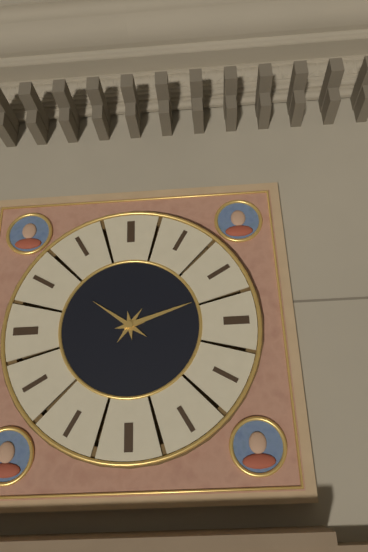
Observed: {"hour": 10, "minute": 12}
